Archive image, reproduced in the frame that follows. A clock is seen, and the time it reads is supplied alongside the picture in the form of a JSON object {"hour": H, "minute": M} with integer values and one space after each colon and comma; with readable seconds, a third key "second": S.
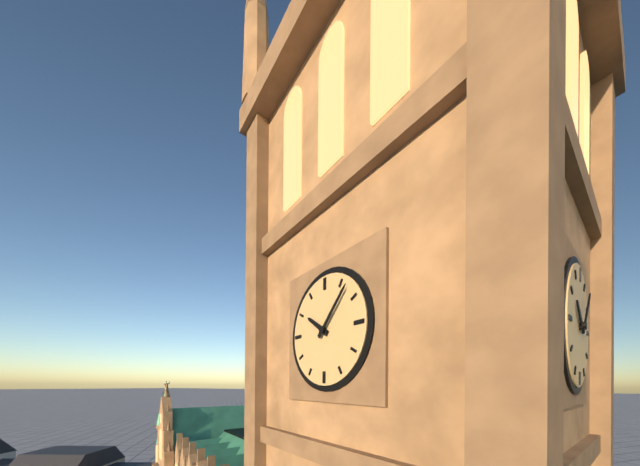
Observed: {"hour": 10, "minute": 7}
